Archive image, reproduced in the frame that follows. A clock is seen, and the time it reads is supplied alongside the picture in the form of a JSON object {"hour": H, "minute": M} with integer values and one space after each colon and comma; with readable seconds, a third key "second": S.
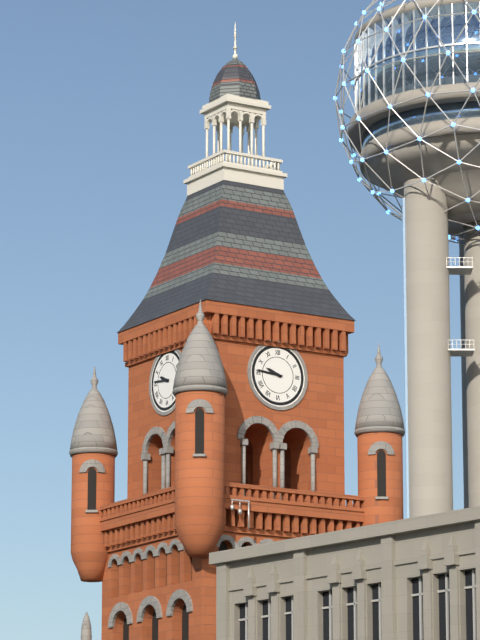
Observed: {"hour": 9, "minute": 46}
